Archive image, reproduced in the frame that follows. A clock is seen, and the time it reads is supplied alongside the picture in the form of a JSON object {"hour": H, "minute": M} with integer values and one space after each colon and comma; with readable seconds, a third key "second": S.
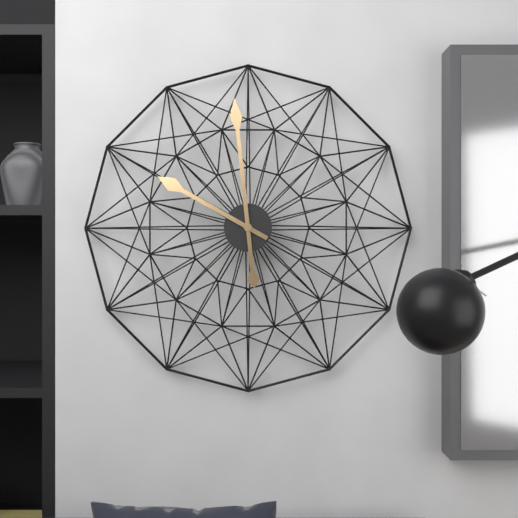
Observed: {"hour": 9, "minute": 59}
